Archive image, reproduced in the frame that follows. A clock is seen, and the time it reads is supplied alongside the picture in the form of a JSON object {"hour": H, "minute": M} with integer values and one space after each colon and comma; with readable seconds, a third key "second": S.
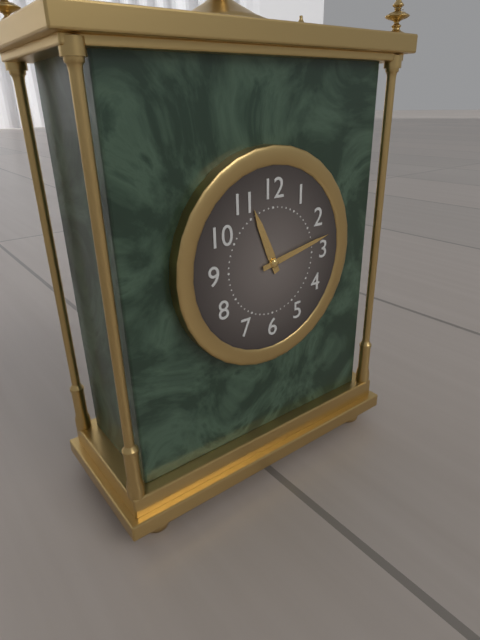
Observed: {"hour": 11, "minute": 13}
